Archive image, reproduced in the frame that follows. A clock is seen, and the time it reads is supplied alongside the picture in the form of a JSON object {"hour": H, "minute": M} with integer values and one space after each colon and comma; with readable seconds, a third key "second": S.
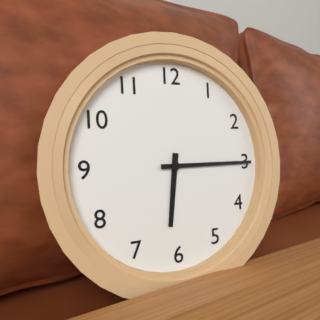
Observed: {"hour": 6, "minute": 15}
